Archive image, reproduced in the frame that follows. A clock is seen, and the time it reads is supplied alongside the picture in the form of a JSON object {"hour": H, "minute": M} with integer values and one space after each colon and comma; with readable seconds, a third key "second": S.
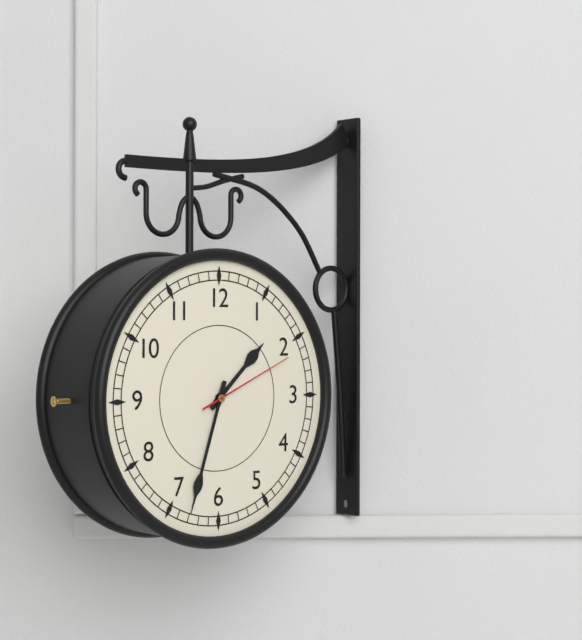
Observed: {"hour": 1, "minute": 33, "second": 11}
